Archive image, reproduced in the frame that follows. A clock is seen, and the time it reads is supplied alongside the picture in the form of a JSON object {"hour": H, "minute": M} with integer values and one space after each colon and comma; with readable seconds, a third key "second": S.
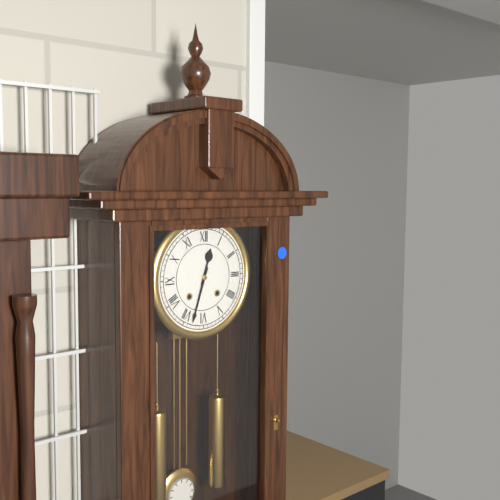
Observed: {"hour": 12, "minute": 33}
